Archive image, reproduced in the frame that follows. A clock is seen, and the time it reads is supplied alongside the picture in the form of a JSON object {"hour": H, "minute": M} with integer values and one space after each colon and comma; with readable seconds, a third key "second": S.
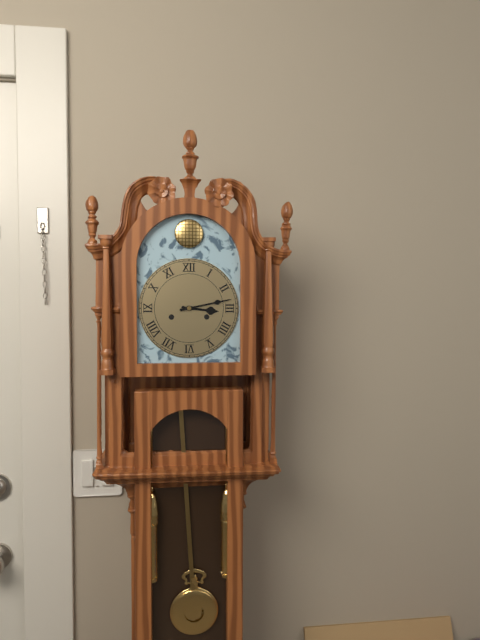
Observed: {"hour": 3, "minute": 13}
